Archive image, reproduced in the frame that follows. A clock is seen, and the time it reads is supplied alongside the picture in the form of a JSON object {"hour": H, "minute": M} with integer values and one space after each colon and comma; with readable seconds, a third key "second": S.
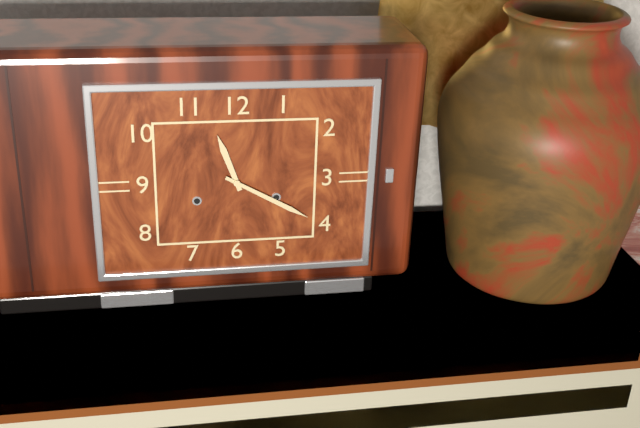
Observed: {"hour": 11, "minute": 20}
